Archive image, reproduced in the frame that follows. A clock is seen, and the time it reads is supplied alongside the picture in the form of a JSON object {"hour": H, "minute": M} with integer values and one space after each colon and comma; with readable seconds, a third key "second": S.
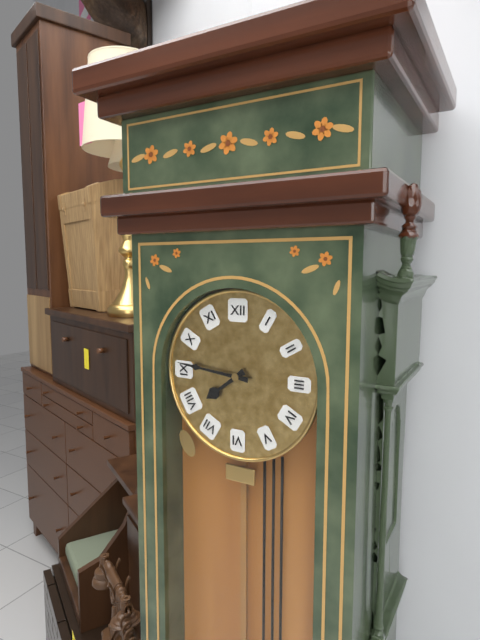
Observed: {"hour": 7, "minute": 46}
